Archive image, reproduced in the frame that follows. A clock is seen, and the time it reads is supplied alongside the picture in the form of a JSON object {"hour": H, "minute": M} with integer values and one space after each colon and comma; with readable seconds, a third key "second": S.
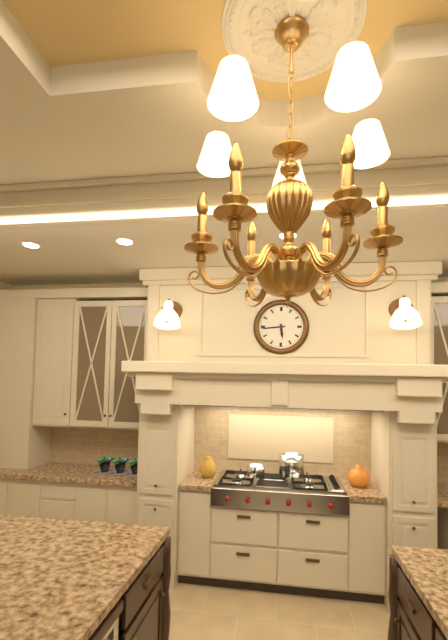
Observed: {"hour": 5, "minute": 44}
